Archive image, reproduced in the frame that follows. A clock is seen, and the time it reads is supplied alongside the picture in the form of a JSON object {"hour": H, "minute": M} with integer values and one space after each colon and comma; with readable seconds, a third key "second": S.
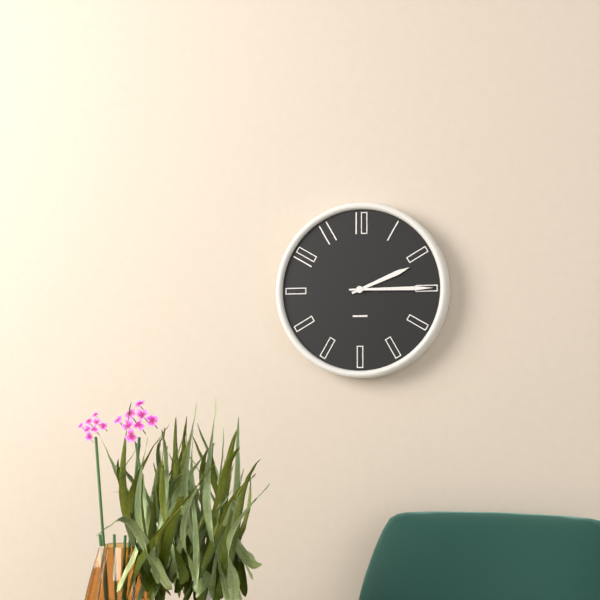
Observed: {"hour": 2, "minute": 15}
